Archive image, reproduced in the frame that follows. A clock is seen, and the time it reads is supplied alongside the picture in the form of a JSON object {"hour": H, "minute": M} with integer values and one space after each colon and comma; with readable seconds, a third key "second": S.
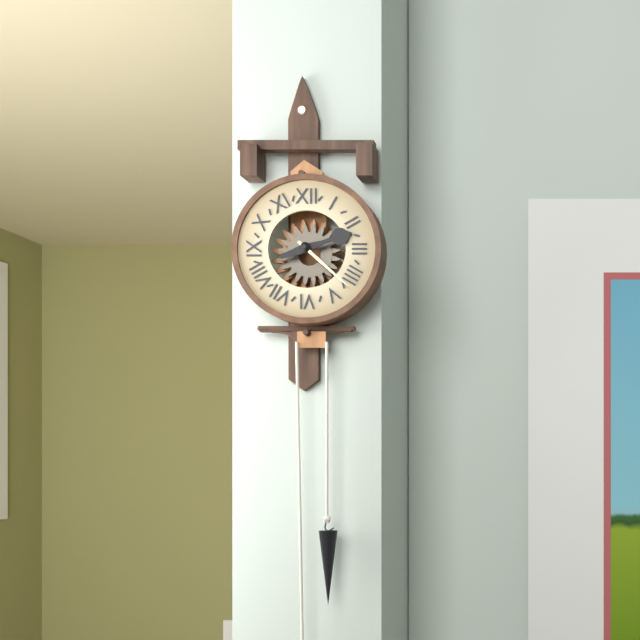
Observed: {"hour": 2, "minute": 22}
